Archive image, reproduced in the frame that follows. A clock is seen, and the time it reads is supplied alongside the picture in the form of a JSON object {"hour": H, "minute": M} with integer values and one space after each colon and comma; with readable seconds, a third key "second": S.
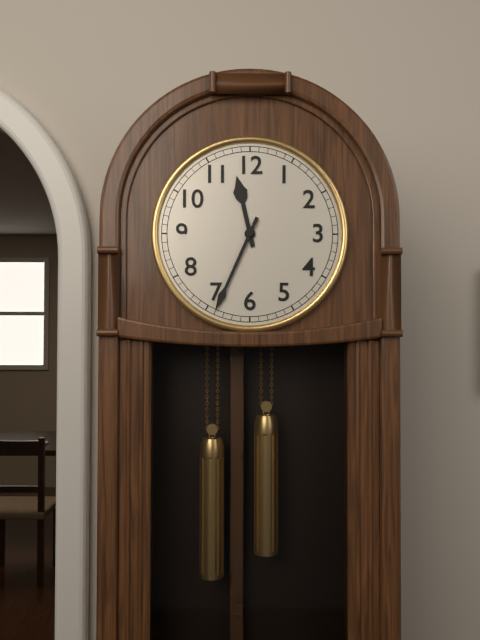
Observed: {"hour": 11, "minute": 34}
